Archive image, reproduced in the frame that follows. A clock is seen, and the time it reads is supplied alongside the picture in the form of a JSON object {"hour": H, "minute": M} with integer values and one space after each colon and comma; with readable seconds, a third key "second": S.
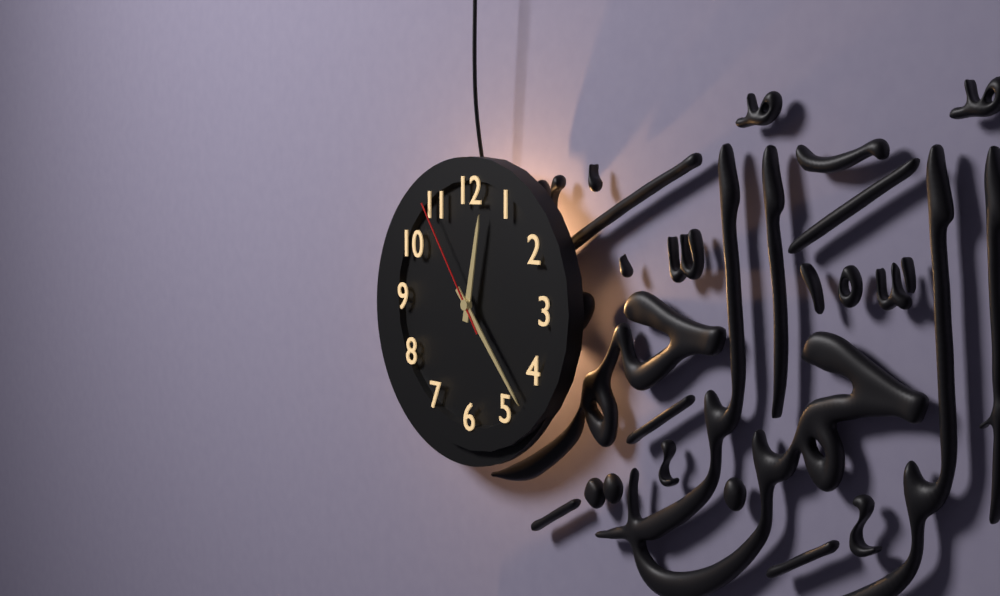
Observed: {"hour": 12, "minute": 23, "second": 54}
